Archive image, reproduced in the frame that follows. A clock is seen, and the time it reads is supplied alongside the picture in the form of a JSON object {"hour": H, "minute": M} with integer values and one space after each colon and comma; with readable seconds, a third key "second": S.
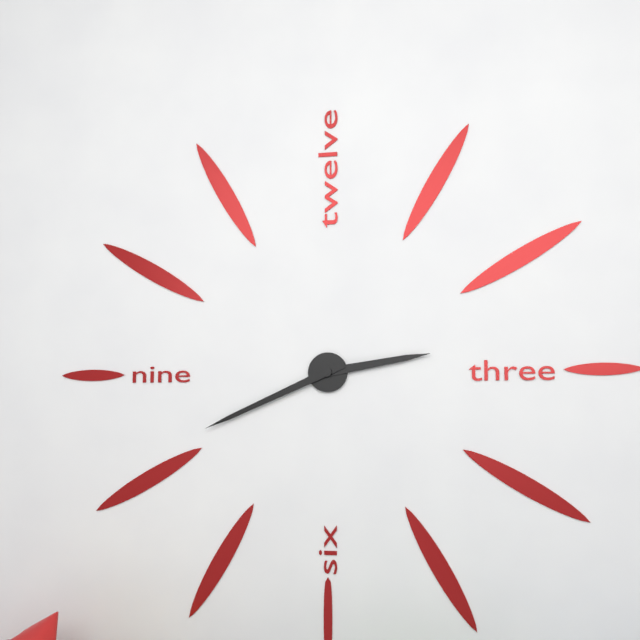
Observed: {"hour": 2, "minute": 41}
